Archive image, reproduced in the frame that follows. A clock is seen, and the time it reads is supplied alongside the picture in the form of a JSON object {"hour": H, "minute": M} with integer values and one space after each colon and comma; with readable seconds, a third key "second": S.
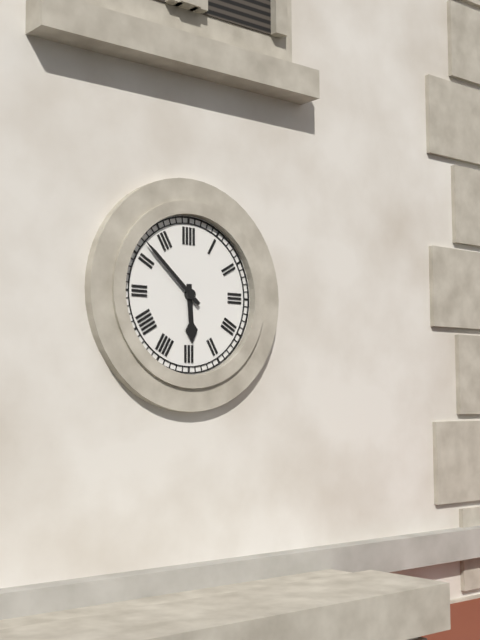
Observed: {"hour": 5, "minute": 52}
